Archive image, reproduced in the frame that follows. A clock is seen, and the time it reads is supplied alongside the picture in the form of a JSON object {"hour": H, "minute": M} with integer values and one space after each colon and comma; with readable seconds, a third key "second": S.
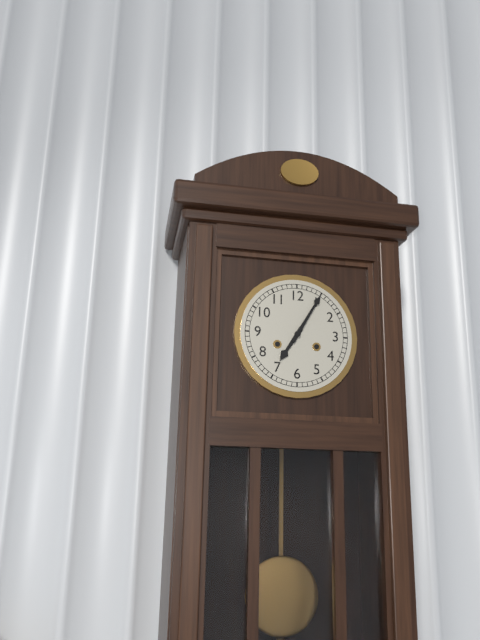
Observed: {"hour": 7, "minute": 5}
